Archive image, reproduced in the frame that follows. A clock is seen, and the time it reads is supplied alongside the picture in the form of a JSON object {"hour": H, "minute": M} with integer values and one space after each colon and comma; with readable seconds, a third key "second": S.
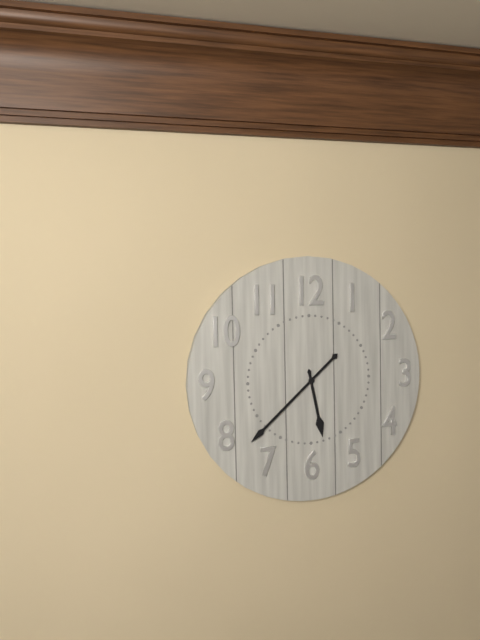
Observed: {"hour": 5, "minute": 38}
